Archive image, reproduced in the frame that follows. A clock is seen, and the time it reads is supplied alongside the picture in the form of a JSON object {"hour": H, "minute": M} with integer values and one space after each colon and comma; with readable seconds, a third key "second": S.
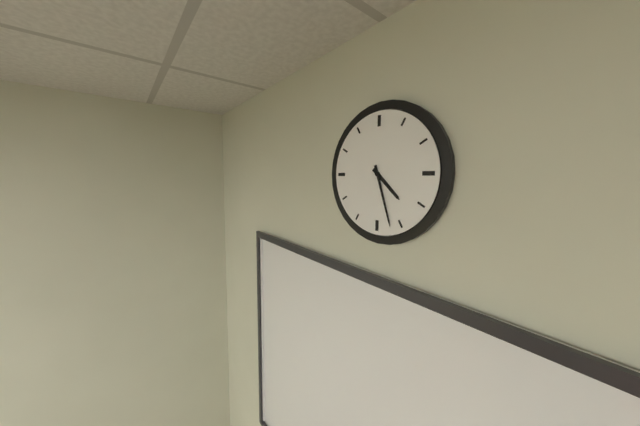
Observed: {"hour": 4, "minute": 27}
